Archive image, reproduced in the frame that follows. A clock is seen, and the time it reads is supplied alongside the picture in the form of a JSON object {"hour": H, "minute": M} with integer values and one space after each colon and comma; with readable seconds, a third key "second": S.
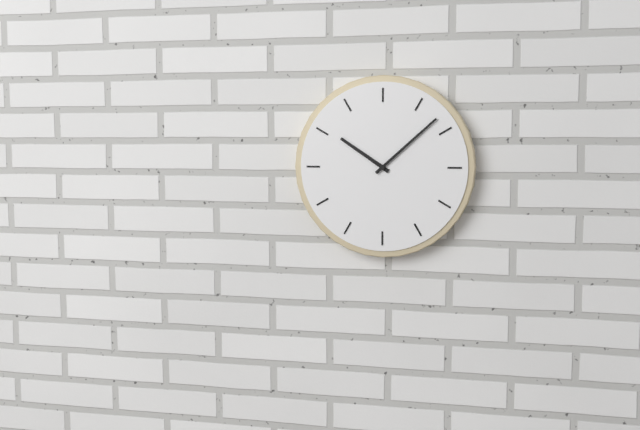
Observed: {"hour": 10, "minute": 8}
